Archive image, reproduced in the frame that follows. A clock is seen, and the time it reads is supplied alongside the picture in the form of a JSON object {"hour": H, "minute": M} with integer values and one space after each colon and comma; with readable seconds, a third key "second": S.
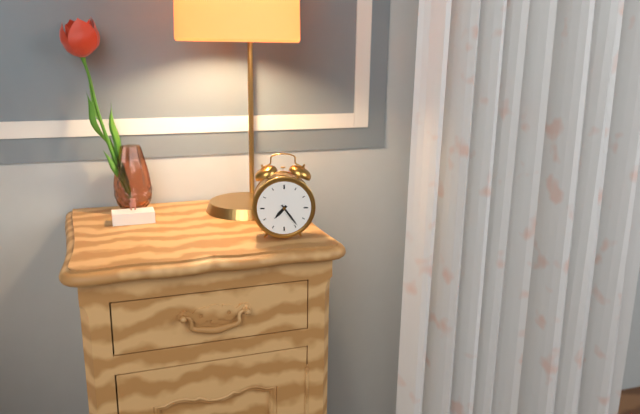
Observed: {"hour": 7, "minute": 24}
